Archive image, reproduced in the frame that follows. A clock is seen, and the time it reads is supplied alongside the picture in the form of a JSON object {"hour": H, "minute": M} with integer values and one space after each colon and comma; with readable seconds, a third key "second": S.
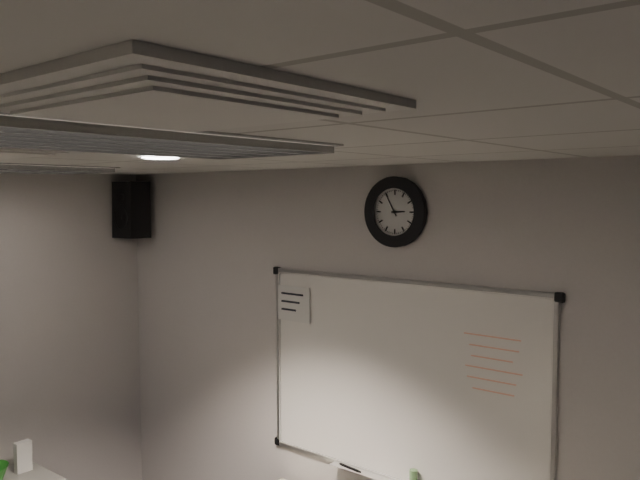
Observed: {"hour": 2, "minute": 55}
